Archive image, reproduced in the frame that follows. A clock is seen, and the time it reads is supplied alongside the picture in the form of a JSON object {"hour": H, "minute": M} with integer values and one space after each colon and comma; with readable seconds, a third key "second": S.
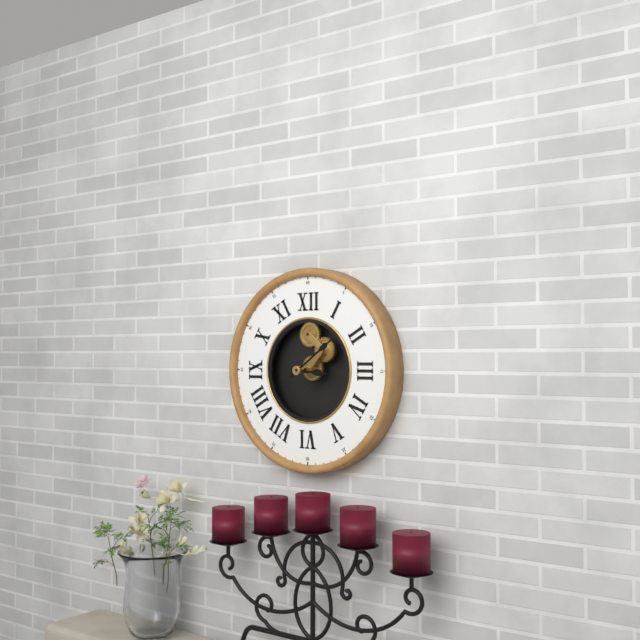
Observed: {"hour": 3, "minute": 9}
